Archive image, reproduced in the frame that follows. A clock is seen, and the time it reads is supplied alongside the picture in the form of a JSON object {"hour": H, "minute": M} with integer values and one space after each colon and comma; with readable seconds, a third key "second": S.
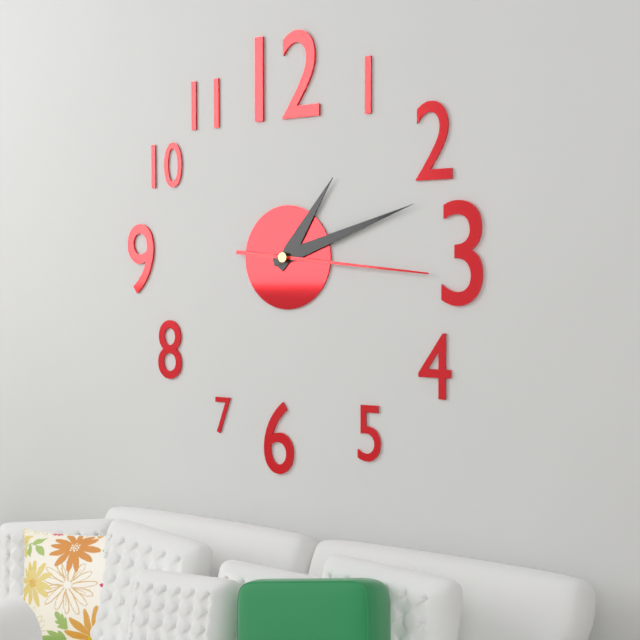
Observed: {"hour": 1, "minute": 12, "second": 16}
